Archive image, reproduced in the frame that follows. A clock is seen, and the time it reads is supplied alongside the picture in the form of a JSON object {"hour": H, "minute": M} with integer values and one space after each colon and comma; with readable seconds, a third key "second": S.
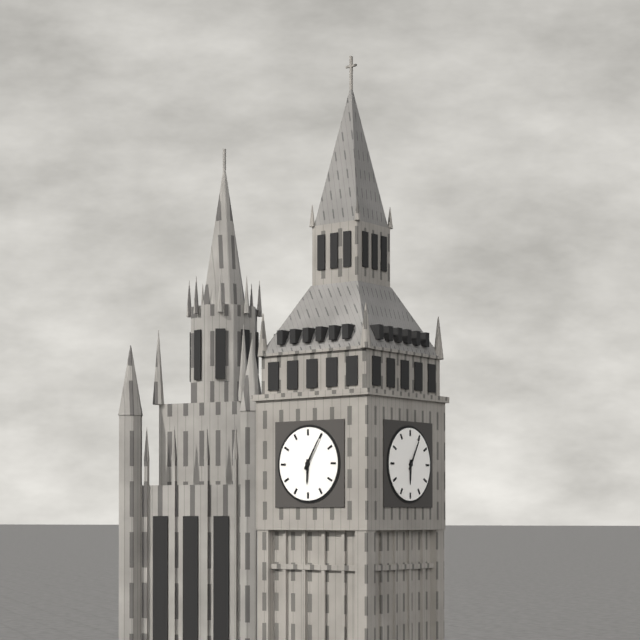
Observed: {"hour": 6, "minute": 5}
